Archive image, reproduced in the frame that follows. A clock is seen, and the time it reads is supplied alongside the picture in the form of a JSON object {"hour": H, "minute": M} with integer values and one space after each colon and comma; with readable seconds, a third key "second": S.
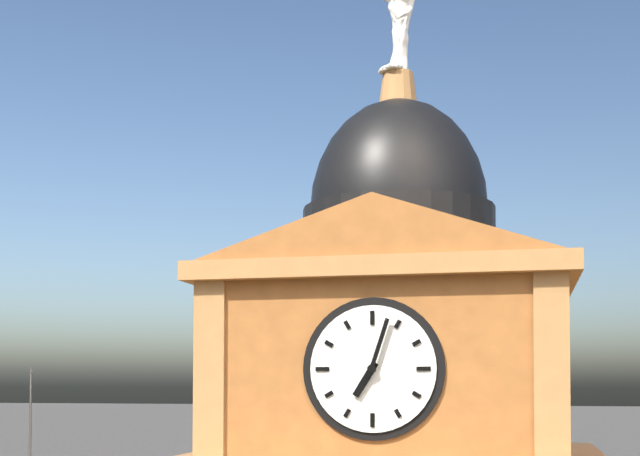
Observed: {"hour": 7, "minute": 3}
